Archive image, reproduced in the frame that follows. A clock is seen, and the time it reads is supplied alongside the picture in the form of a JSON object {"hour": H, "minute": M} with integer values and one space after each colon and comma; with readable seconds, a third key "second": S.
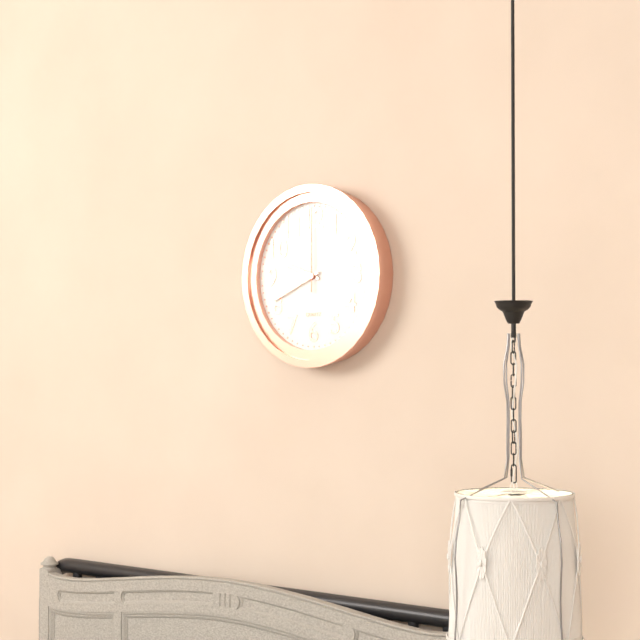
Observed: {"hour": 9, "minute": 41, "second": 0}
